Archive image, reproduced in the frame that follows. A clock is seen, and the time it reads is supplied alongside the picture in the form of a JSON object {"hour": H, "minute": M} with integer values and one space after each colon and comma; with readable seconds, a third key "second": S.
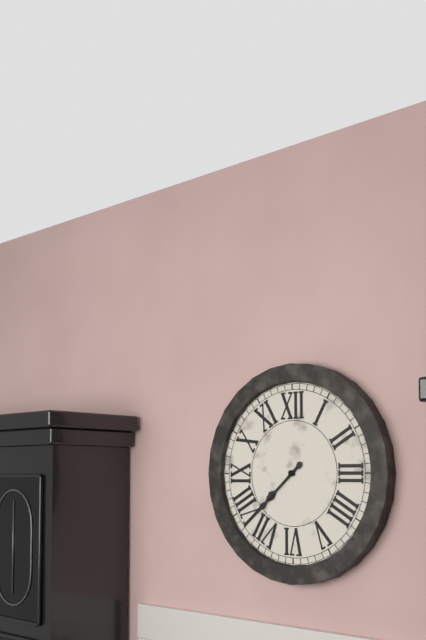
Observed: {"hour": 7, "minute": 38}
